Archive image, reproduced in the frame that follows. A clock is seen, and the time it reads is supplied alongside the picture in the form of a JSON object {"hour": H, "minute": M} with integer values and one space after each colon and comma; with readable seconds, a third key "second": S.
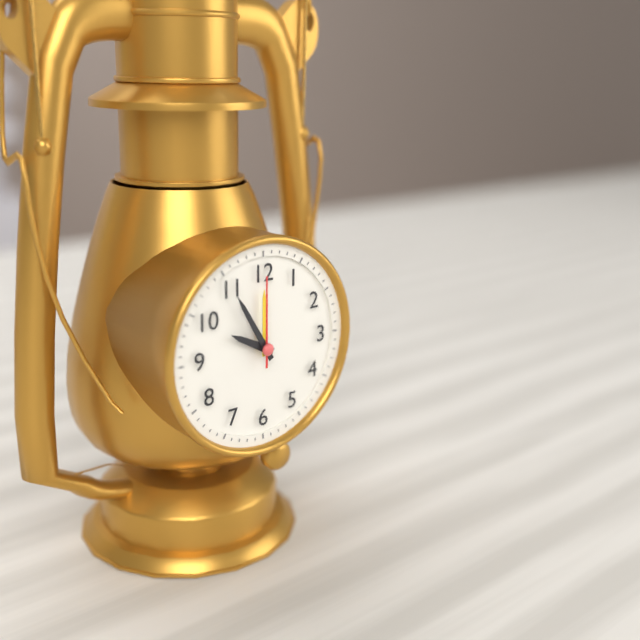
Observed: {"hour": 9, "minute": 55, "second": 0}
